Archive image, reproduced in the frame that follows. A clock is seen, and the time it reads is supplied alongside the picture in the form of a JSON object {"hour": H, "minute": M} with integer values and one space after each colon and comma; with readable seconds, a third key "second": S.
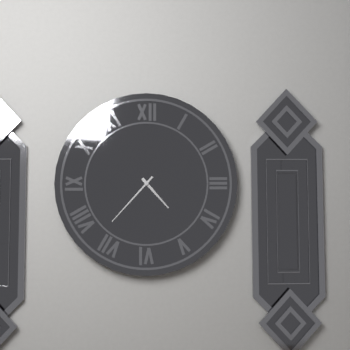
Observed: {"hour": 4, "minute": 37}
